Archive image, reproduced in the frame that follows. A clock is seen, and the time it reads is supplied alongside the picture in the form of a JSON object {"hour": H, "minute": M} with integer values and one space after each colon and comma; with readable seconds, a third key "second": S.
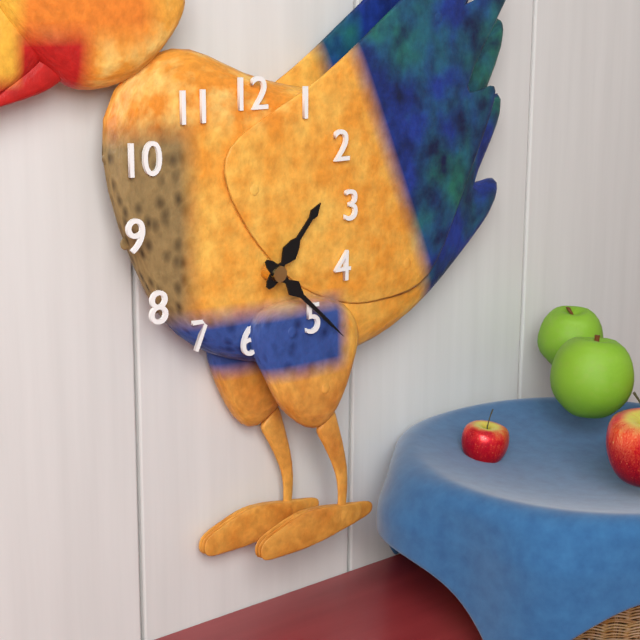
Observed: {"hour": 1, "minute": 22}
